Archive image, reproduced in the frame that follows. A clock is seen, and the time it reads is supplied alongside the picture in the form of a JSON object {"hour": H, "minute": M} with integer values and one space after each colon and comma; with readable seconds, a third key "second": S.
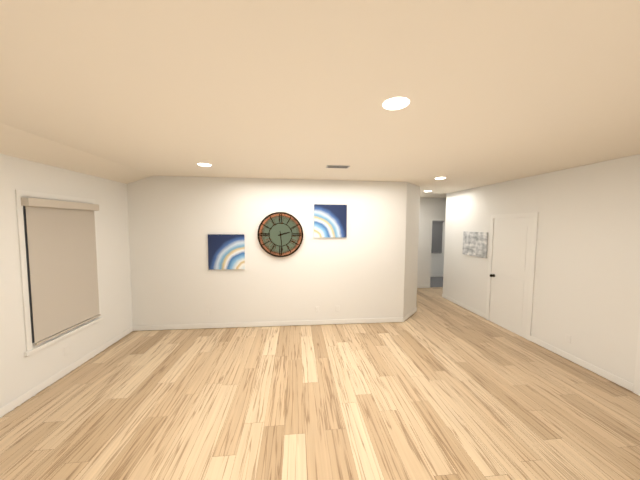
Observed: {"hour": 2, "minute": 29}
